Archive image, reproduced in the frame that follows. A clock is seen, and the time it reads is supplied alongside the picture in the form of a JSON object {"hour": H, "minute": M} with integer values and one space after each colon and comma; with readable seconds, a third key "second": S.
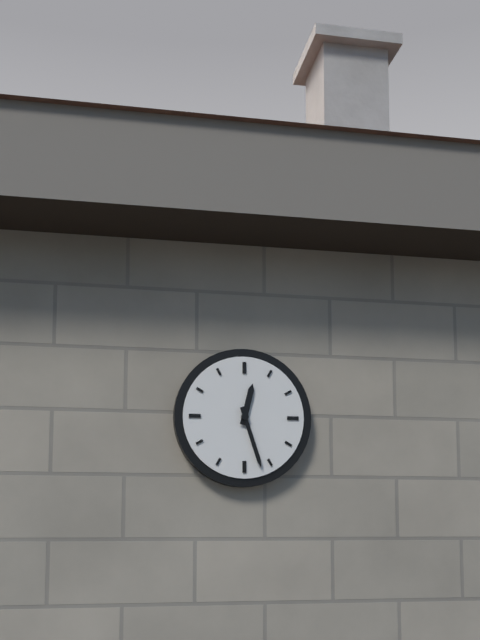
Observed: {"hour": 12, "minute": 27}
